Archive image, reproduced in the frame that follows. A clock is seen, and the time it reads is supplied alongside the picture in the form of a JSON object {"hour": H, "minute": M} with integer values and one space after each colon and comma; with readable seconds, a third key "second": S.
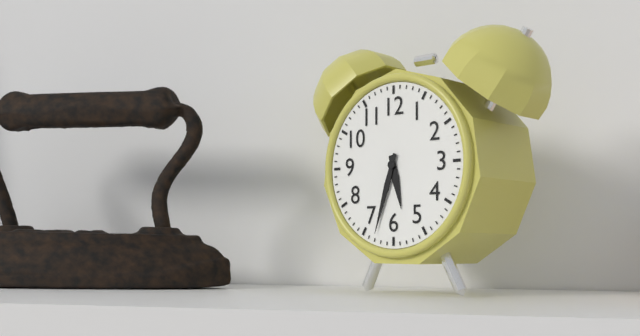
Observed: {"hour": 5, "minute": 33}
